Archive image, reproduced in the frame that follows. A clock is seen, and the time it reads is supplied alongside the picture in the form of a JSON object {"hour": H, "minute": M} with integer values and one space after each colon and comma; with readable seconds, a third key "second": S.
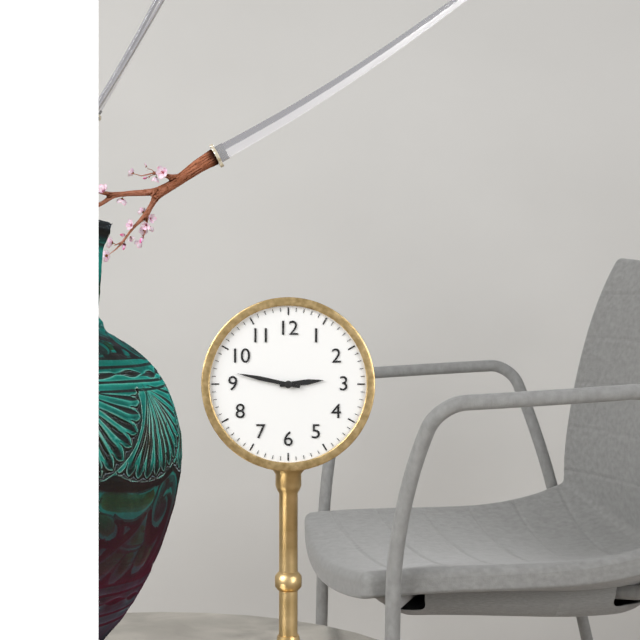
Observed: {"hour": 2, "minute": 47}
